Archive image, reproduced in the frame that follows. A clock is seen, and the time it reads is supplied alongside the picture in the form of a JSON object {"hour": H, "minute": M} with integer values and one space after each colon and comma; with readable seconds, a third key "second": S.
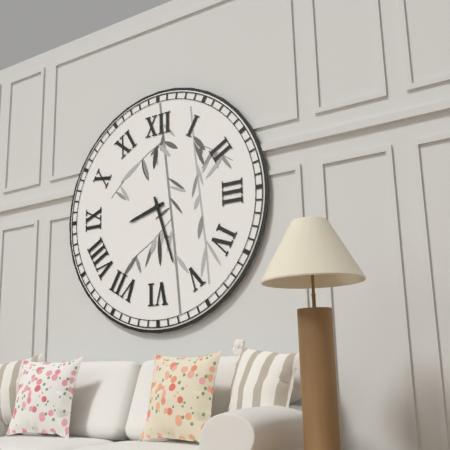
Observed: {"hour": 8, "minute": 27}
